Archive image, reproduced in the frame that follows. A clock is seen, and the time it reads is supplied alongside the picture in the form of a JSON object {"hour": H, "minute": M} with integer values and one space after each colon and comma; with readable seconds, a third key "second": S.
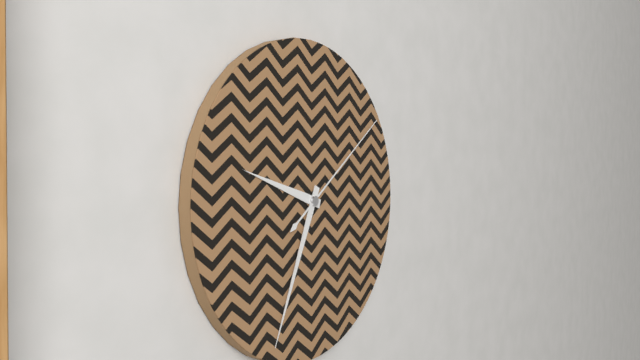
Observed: {"hour": 9, "minute": 34, "second": 9}
